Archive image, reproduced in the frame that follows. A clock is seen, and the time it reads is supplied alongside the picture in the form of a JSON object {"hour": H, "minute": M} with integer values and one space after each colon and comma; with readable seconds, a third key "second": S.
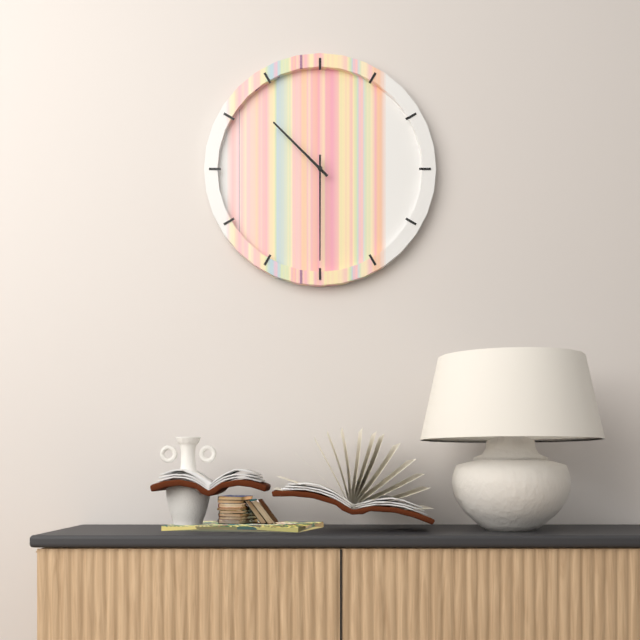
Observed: {"hour": 10, "minute": 30}
